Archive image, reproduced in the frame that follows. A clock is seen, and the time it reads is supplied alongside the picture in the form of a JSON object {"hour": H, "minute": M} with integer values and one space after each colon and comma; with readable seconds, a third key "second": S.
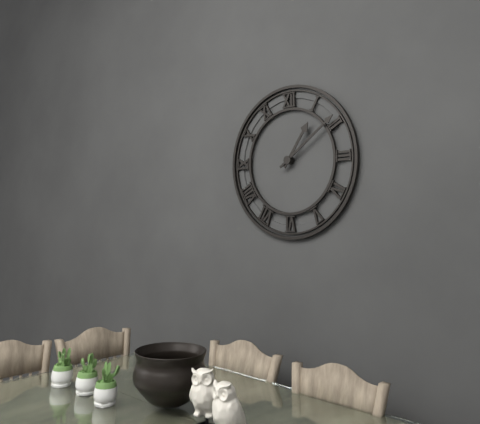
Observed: {"hour": 1, "minute": 9}
